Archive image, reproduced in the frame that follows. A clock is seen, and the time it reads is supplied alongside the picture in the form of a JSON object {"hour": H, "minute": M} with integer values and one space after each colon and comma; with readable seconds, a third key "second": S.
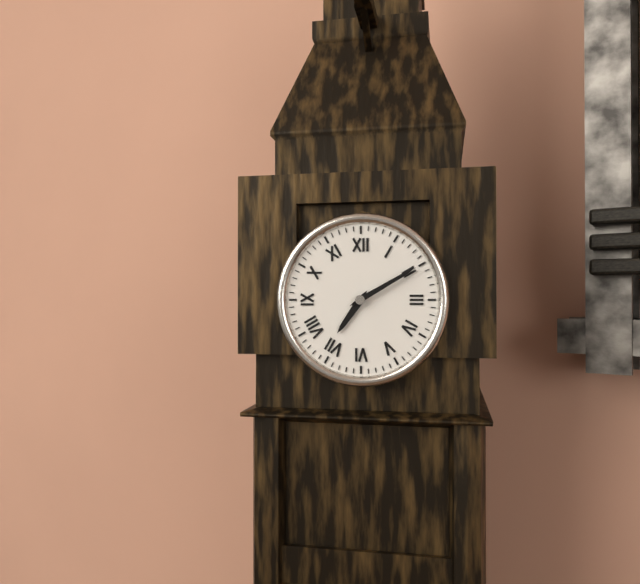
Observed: {"hour": 7, "minute": 10}
